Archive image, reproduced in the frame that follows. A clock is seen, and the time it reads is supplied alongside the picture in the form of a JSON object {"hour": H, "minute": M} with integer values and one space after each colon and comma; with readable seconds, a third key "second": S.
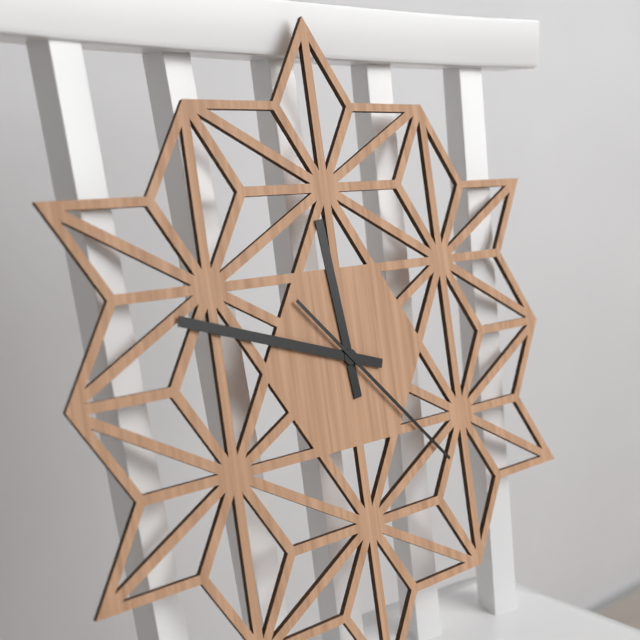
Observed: {"hour": 11, "minute": 48, "second": 23}
